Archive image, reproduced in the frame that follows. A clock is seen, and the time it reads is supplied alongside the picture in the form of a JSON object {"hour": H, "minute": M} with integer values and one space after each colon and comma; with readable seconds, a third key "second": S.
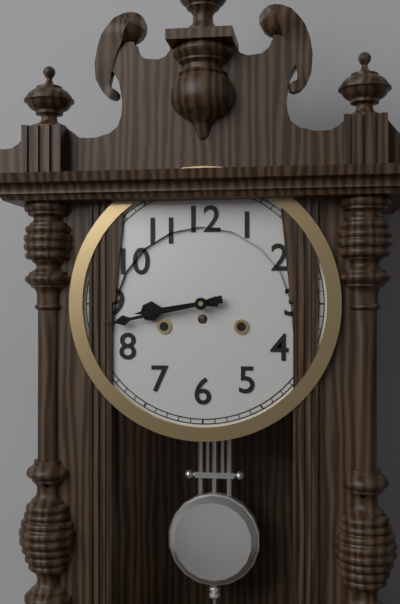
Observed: {"hour": 8, "minute": 43}
